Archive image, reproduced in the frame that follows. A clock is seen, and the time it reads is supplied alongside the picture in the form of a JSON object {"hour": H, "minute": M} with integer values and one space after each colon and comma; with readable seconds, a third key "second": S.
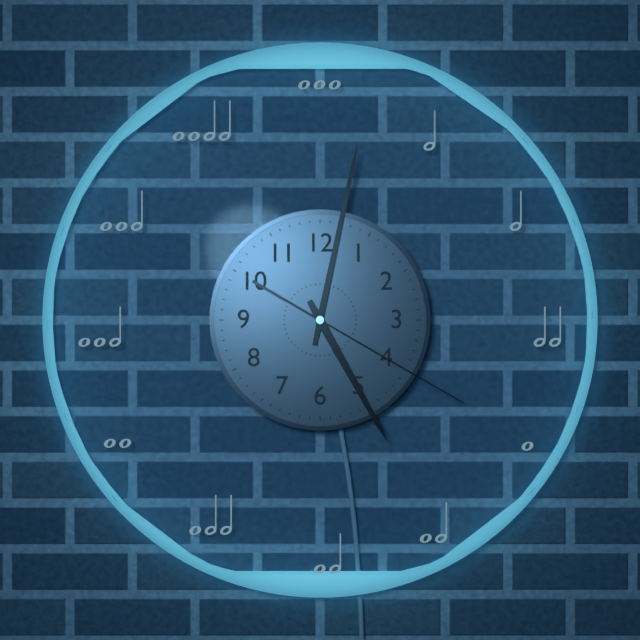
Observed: {"hour": 5, "minute": 2, "second": 20}
